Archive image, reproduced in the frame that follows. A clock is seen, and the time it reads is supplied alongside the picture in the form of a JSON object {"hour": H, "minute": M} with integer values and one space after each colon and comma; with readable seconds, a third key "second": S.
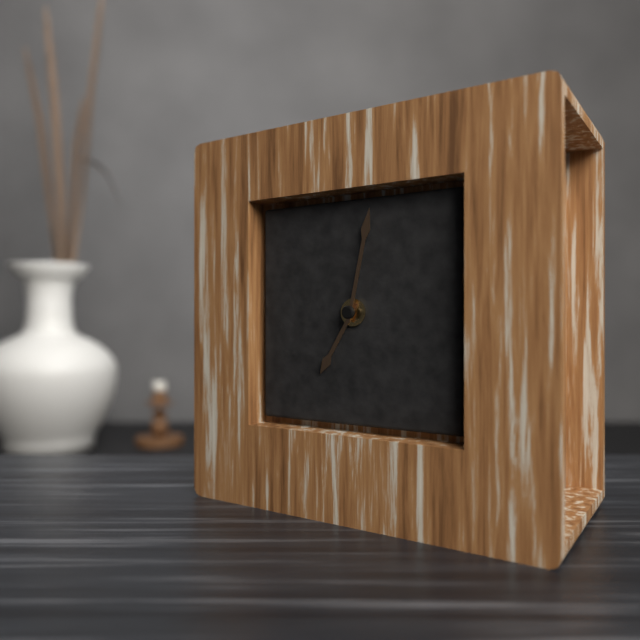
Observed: {"hour": 7, "minute": 2}
